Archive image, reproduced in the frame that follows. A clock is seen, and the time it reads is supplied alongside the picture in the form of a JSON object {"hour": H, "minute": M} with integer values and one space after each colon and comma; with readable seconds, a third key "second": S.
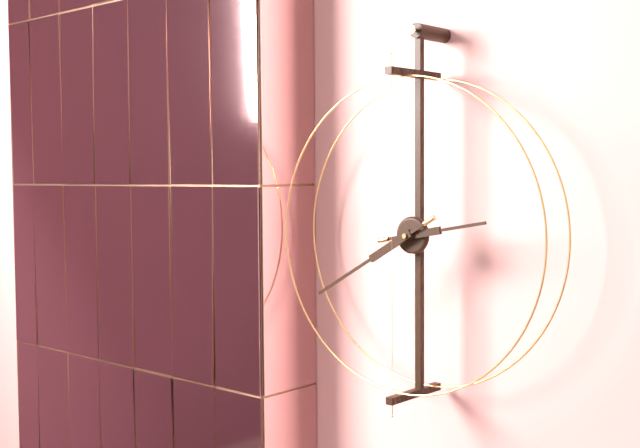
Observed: {"hour": 2, "minute": 40}
